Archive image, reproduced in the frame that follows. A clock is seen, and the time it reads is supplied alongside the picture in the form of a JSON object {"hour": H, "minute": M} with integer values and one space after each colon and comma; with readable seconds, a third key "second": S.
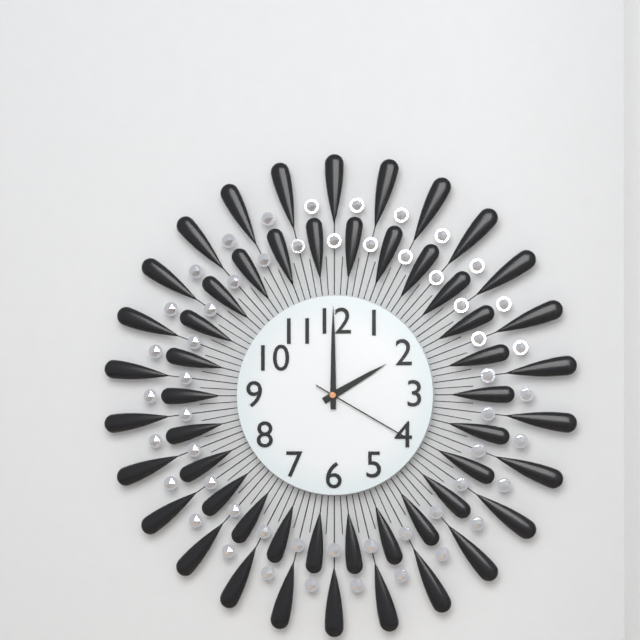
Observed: {"hour": 2, "minute": 0, "second": 20}
